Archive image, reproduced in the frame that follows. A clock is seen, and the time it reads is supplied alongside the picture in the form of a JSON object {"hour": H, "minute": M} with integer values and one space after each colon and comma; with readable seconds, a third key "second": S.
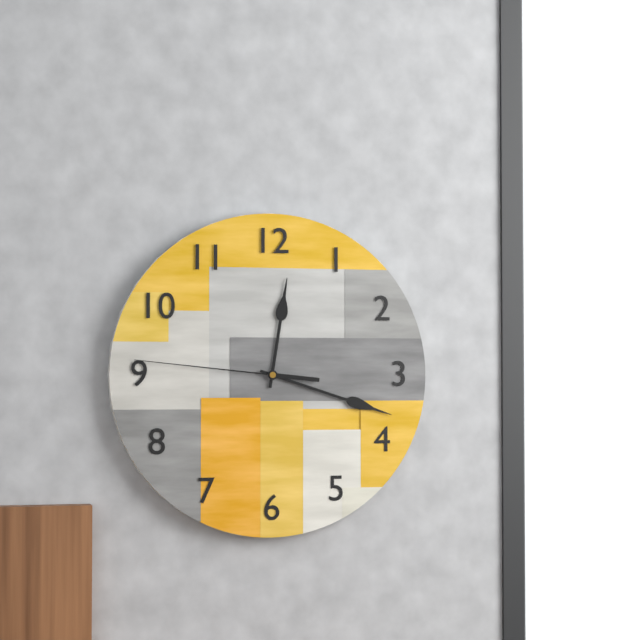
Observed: {"hour": 12, "minute": 18, "second": 46}
